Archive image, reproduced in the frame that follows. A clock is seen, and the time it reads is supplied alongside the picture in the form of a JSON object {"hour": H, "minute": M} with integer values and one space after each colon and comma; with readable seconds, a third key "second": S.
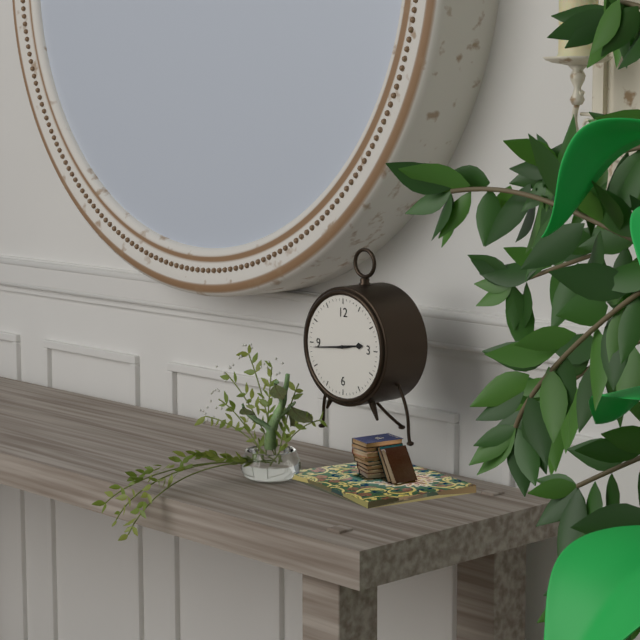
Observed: {"hour": 2, "minute": 44}
